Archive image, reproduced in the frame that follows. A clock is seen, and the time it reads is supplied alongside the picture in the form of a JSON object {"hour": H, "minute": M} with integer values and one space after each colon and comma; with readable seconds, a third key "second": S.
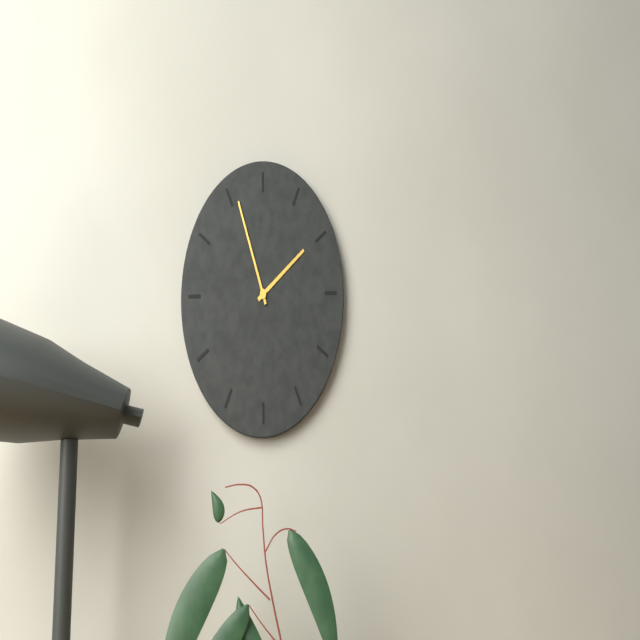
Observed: {"hour": 1, "minute": 56}
